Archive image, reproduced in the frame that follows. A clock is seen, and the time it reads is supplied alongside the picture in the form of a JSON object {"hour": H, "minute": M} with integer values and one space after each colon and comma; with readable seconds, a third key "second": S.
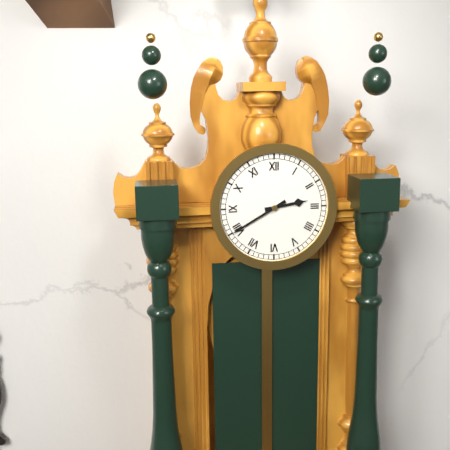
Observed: {"hour": 2, "minute": 40}
